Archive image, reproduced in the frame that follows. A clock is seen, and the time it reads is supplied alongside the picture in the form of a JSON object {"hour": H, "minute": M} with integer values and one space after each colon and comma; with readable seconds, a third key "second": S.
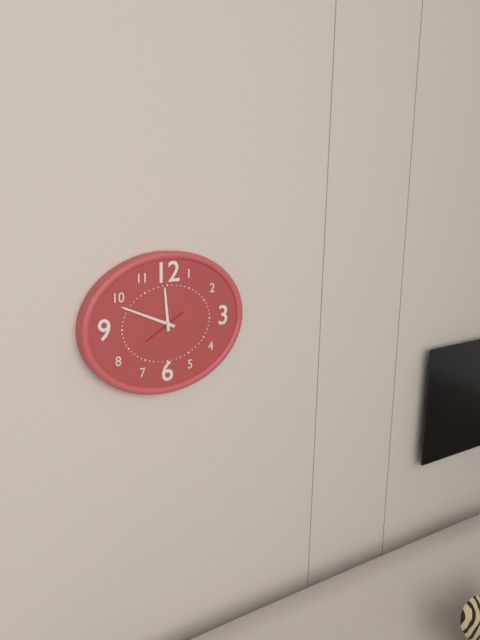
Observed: {"hour": 11, "minute": 49}
